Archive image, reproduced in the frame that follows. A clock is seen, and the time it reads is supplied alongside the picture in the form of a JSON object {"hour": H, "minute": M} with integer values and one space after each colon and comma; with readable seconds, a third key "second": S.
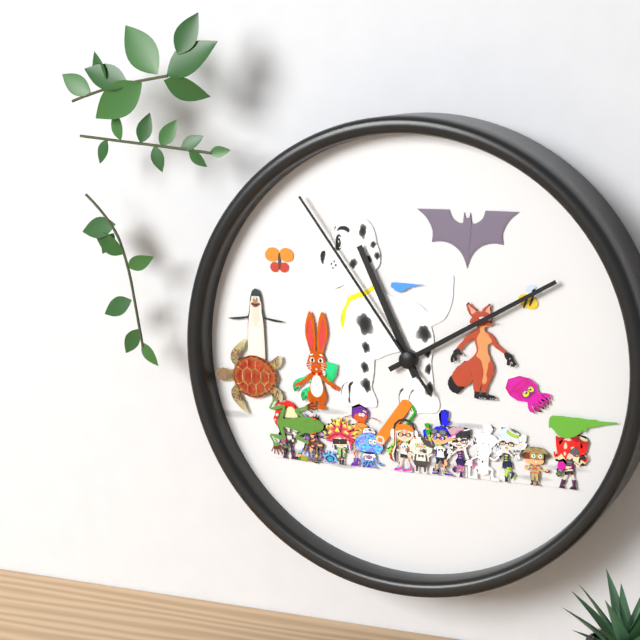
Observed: {"hour": 11, "minute": 10, "second": 54}
